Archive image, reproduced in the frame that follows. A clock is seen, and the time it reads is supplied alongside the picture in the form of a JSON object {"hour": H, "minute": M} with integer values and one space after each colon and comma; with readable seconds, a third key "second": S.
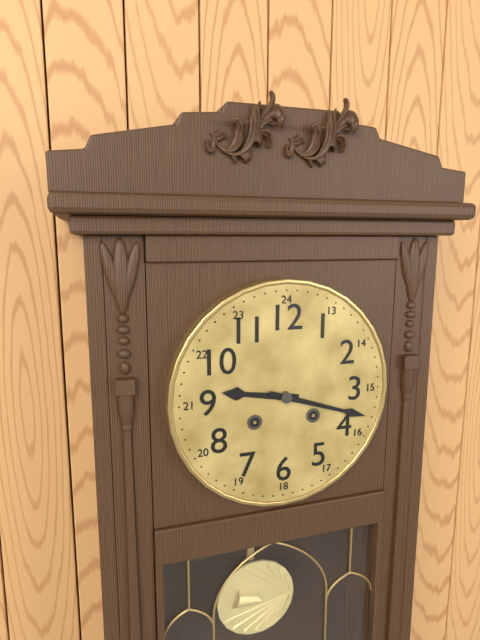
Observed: {"hour": 9, "minute": 18}
